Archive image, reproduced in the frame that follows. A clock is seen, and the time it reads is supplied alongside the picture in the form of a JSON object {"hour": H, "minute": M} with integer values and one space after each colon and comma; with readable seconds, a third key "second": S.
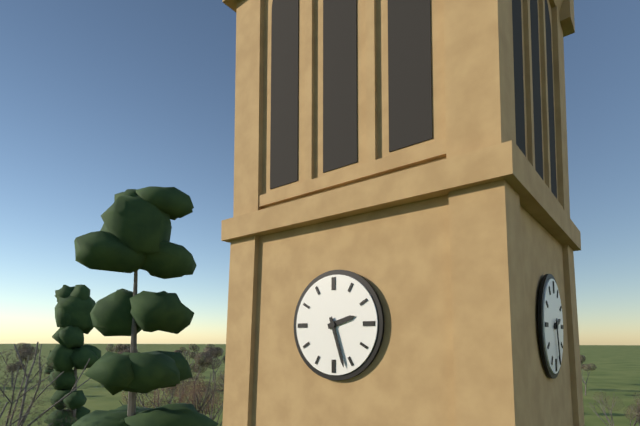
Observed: {"hour": 2, "minute": 27}
